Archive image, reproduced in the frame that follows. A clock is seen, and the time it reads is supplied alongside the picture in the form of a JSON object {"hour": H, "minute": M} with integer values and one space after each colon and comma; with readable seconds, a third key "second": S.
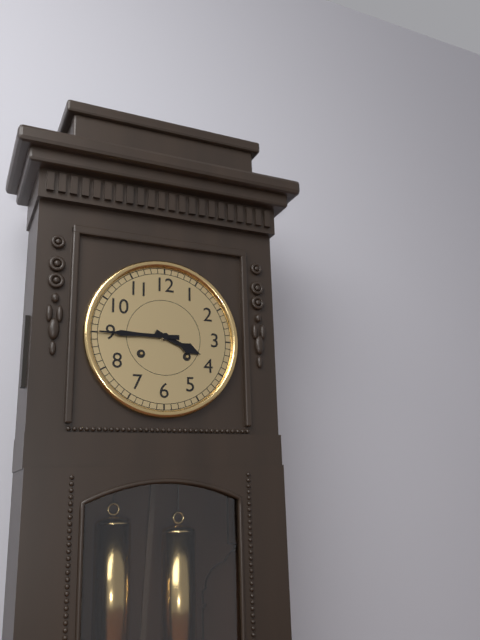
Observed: {"hour": 3, "minute": 45}
